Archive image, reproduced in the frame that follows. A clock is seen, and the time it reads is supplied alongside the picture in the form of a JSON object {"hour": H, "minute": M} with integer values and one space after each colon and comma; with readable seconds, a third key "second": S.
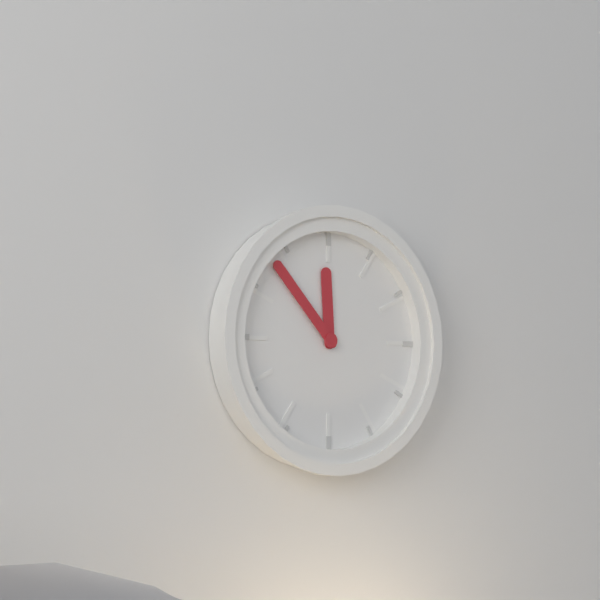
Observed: {"hour": 11, "minute": 53}
